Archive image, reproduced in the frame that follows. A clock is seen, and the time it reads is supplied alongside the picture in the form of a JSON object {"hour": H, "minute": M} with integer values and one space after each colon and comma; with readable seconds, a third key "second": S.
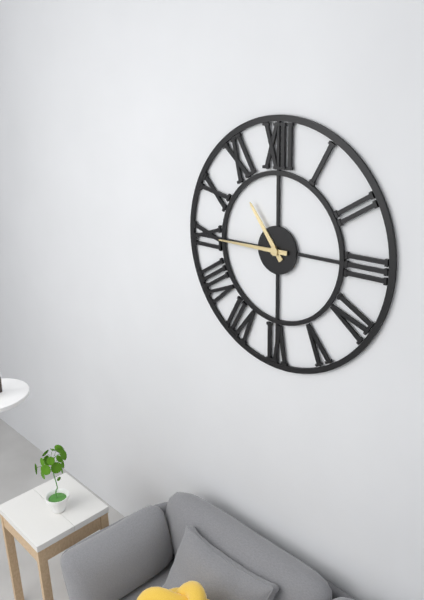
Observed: {"hour": 10, "minute": 45}
